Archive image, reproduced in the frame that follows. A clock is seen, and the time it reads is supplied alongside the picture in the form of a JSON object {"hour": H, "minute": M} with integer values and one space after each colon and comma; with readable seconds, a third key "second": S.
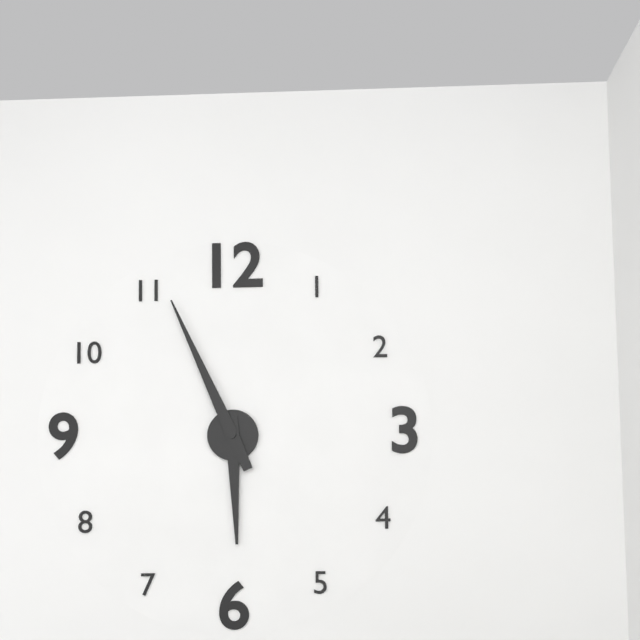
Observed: {"hour": 5, "minute": 56}
